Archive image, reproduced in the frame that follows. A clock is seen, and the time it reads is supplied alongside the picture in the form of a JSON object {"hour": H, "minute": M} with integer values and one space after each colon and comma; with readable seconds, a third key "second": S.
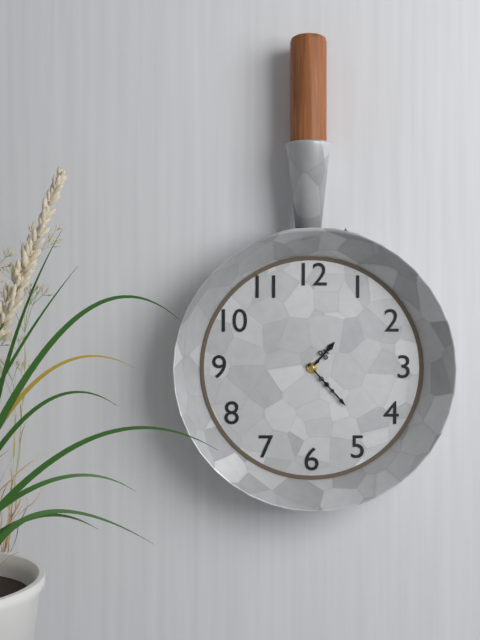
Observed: {"hour": 1, "minute": 23}
